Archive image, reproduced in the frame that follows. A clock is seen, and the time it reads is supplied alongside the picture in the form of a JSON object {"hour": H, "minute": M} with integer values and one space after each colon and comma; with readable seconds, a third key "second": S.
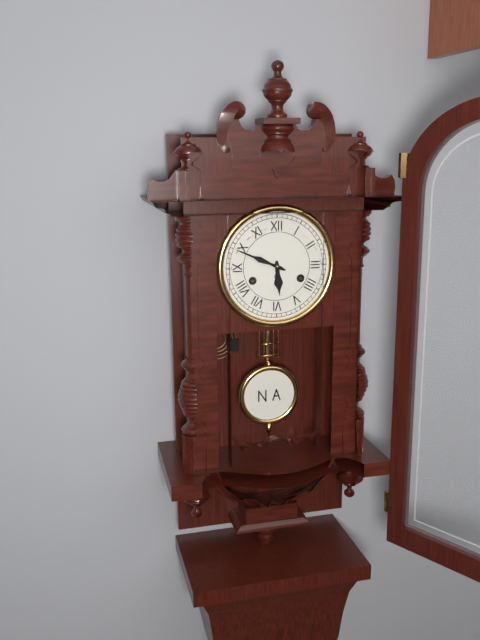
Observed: {"hour": 5, "minute": 49}
